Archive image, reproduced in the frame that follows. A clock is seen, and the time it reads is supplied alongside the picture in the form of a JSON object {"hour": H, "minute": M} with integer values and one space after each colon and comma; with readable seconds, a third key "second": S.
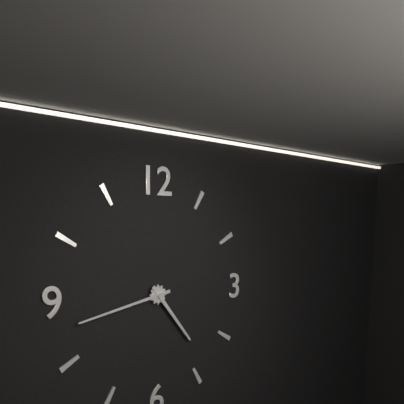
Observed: {"hour": 4, "minute": 43}
